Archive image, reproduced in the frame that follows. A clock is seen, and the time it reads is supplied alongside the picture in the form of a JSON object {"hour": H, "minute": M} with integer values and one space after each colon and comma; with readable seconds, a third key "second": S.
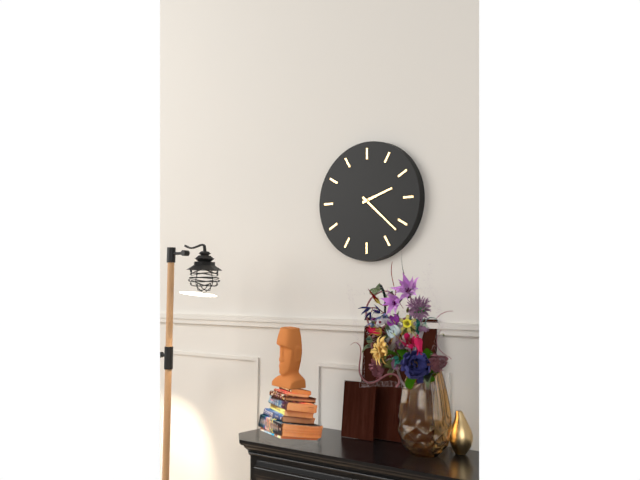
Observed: {"hour": 2, "minute": 22}
